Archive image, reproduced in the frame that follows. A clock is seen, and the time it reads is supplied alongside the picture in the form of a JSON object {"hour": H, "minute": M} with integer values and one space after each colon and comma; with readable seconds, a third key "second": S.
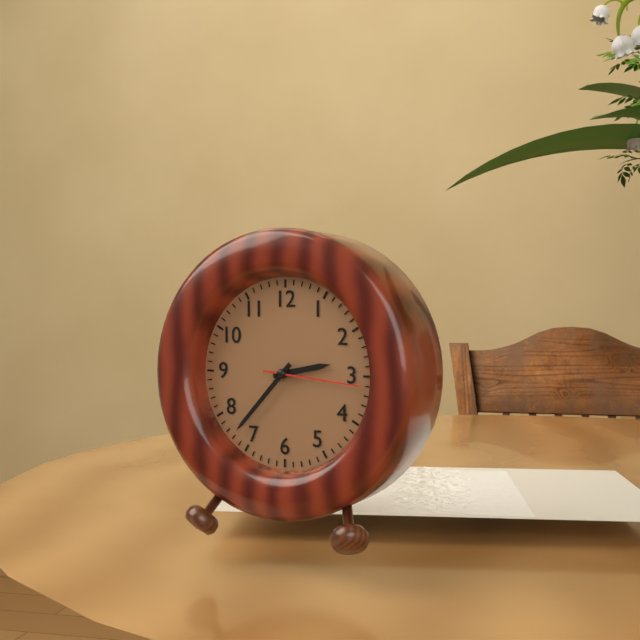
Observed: {"hour": 2, "minute": 37, "second": 16}
